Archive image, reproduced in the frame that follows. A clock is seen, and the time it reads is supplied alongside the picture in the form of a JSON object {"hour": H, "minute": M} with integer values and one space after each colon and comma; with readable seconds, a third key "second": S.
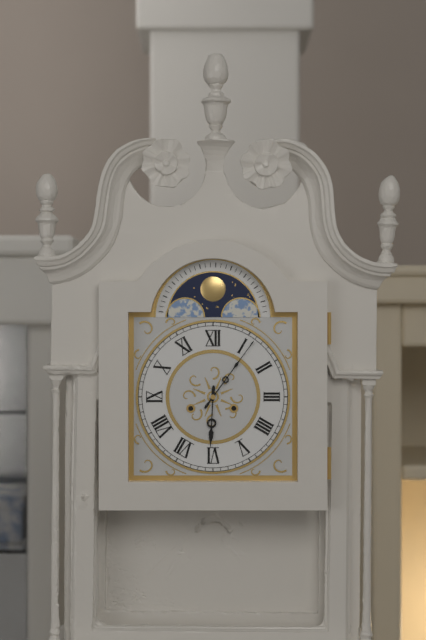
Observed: {"hour": 6, "minute": 6}
